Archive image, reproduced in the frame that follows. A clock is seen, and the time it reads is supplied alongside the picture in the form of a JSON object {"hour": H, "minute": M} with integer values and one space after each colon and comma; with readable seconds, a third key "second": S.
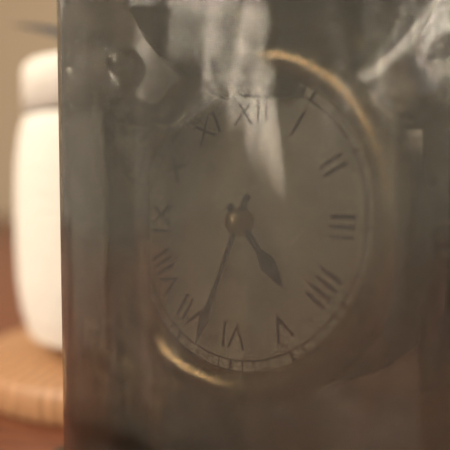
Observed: {"hour": 4, "minute": 33}
